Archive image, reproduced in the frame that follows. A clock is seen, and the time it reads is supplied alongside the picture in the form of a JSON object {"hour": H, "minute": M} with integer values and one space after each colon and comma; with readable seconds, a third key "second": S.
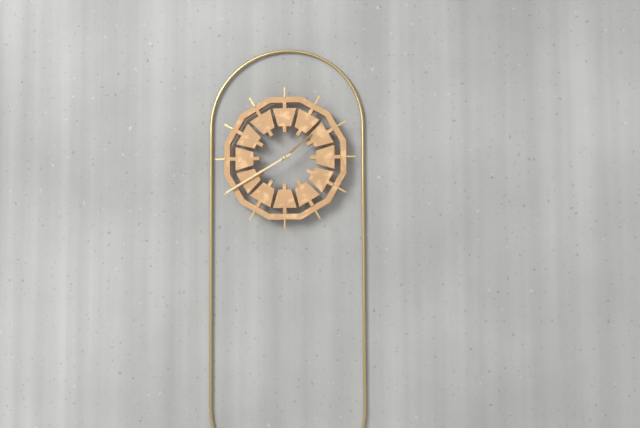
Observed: {"hour": 1, "minute": 40}
